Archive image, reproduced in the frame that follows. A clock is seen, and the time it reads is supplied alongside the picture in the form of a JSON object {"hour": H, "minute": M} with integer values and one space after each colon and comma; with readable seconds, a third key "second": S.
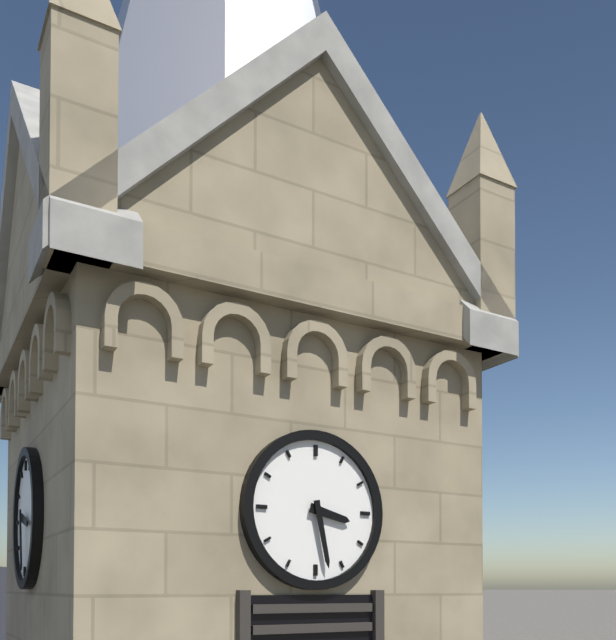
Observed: {"hour": 3, "minute": 28}
